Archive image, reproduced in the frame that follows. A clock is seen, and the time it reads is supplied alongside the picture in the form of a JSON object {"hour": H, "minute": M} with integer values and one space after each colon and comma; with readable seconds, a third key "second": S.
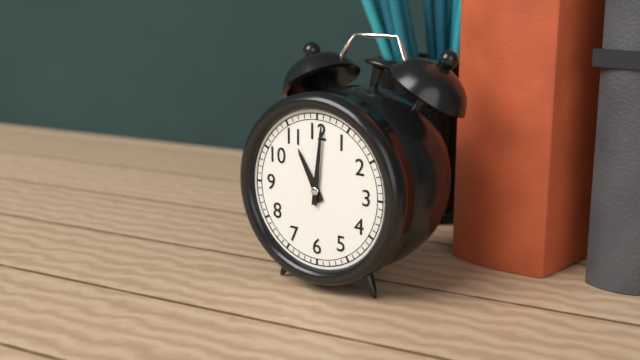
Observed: {"hour": 11, "minute": 1}
